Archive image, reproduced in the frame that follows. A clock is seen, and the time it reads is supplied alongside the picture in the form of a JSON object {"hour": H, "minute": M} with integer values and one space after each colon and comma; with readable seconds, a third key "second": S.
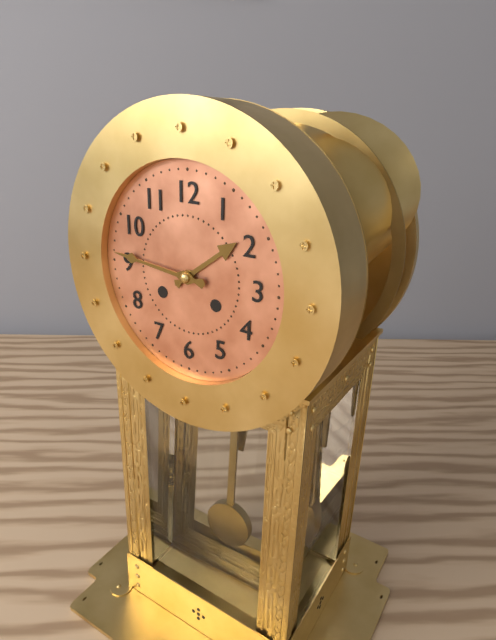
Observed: {"hour": 1, "minute": 46}
